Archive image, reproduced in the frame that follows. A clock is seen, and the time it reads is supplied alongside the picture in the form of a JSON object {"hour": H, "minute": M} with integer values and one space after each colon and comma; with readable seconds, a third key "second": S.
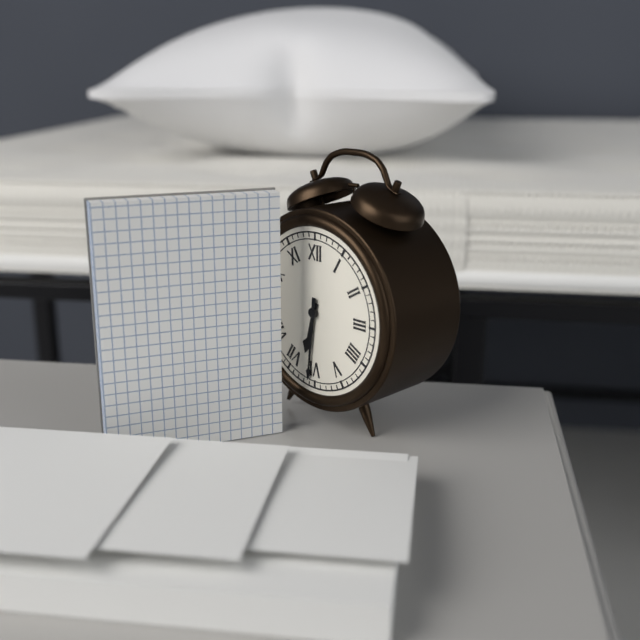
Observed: {"hour": 6, "minute": 31}
